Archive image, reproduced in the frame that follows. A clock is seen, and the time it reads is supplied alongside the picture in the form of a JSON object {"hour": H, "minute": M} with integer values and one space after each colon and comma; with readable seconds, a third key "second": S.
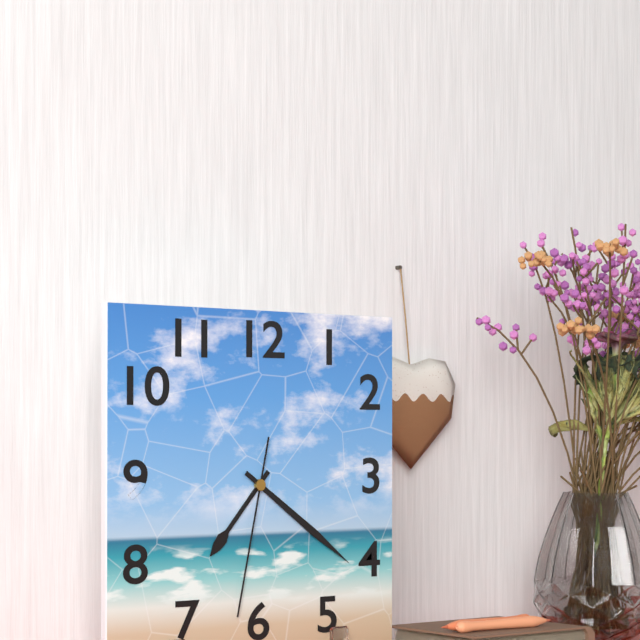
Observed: {"hour": 7, "minute": 21, "second": 32}
